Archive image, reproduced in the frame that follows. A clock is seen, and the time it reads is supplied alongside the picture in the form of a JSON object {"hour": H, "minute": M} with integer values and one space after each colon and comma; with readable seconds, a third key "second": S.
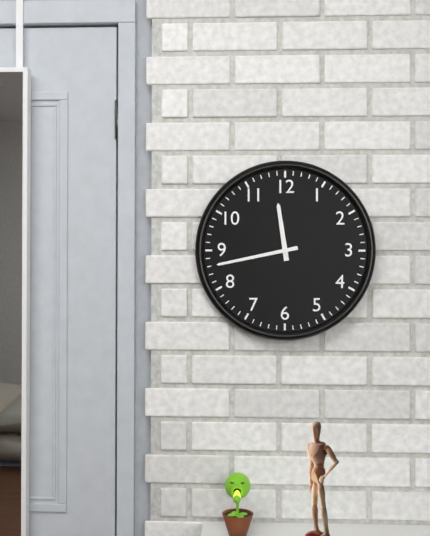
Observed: {"hour": 11, "minute": 43}
